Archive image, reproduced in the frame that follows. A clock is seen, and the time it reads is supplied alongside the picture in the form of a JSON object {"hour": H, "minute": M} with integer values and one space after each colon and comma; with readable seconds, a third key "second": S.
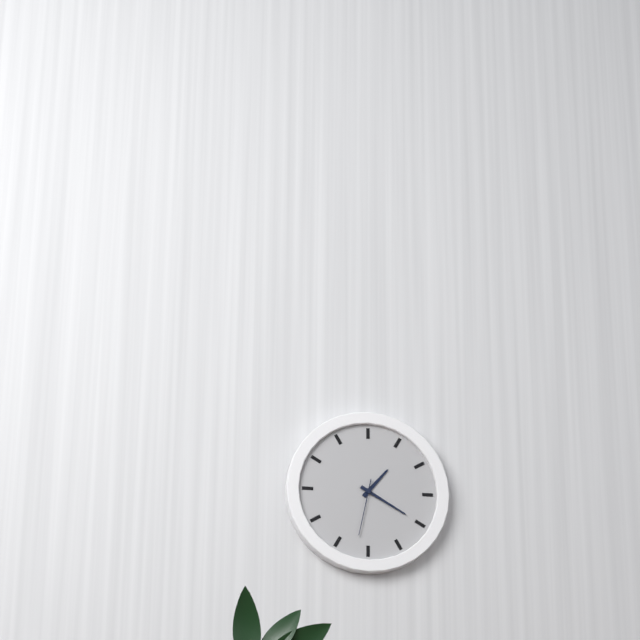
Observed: {"hour": 1, "minute": 20, "second": 32}
